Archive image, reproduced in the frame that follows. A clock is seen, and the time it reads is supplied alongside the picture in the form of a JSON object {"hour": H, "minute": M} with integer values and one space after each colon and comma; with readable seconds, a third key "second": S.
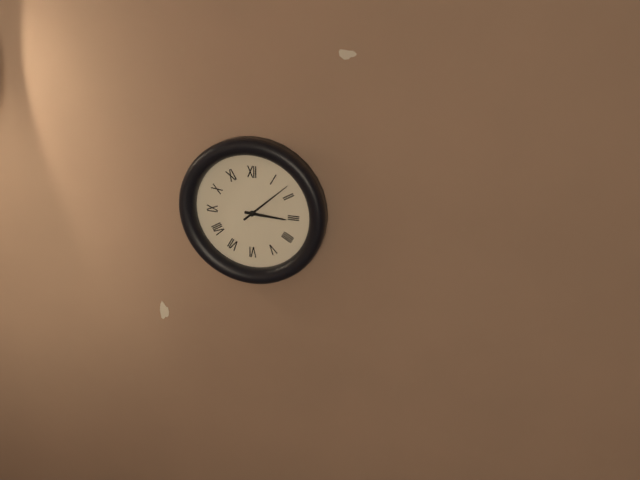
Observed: {"hour": 3, "minute": 8}
